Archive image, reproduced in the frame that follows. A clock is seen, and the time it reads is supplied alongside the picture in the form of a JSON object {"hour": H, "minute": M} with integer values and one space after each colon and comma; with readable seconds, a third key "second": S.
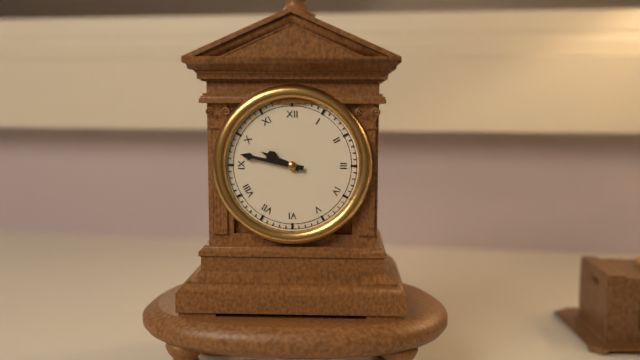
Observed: {"hour": 9, "minute": 47}
